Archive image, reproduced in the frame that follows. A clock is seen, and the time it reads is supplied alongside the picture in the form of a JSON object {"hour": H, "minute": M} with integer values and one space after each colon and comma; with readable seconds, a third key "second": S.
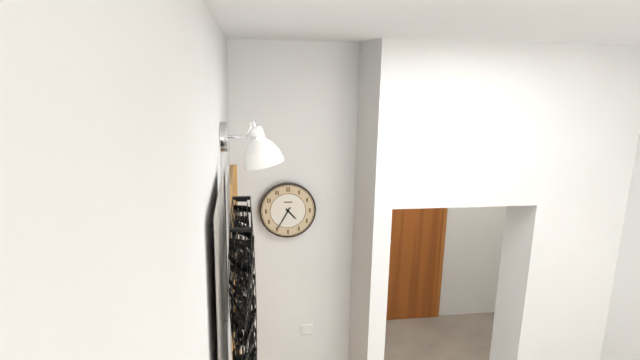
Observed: {"hour": 4, "minute": 35}
